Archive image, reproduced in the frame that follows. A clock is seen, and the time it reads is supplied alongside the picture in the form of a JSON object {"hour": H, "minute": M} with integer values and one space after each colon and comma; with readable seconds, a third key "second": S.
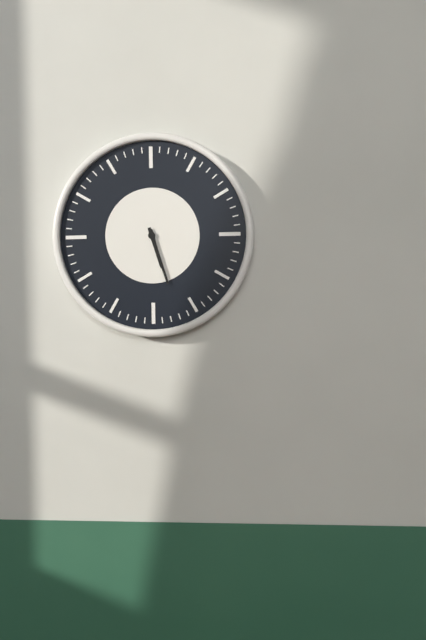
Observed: {"hour": 5, "minute": 27}
